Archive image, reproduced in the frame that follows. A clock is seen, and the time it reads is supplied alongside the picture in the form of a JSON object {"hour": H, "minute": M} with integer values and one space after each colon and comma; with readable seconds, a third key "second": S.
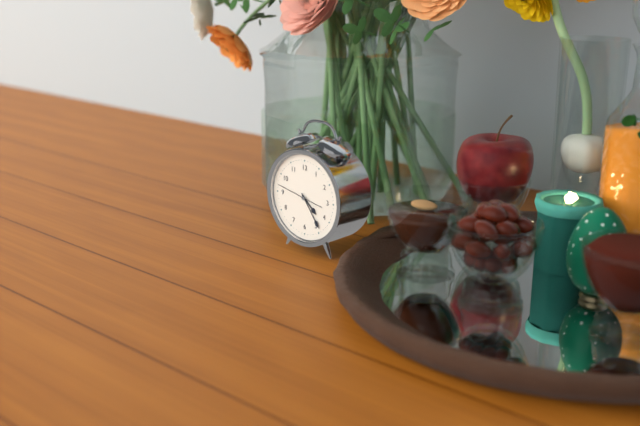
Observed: {"hour": 4, "minute": 24}
